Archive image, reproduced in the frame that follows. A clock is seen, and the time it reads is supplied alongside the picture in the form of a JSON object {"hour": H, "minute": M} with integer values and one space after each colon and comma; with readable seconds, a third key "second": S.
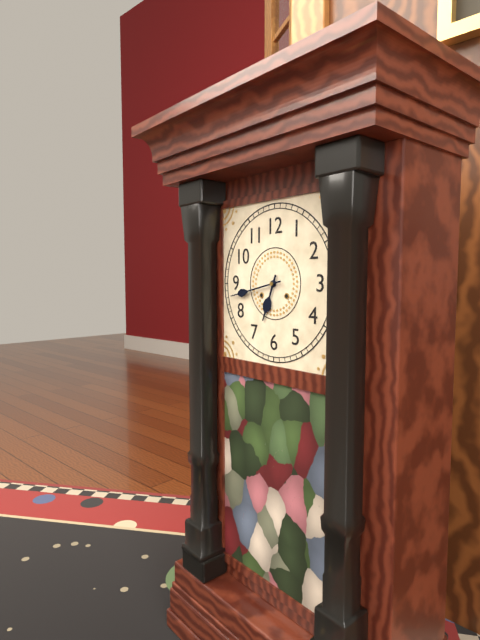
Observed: {"hour": 6, "minute": 43}
